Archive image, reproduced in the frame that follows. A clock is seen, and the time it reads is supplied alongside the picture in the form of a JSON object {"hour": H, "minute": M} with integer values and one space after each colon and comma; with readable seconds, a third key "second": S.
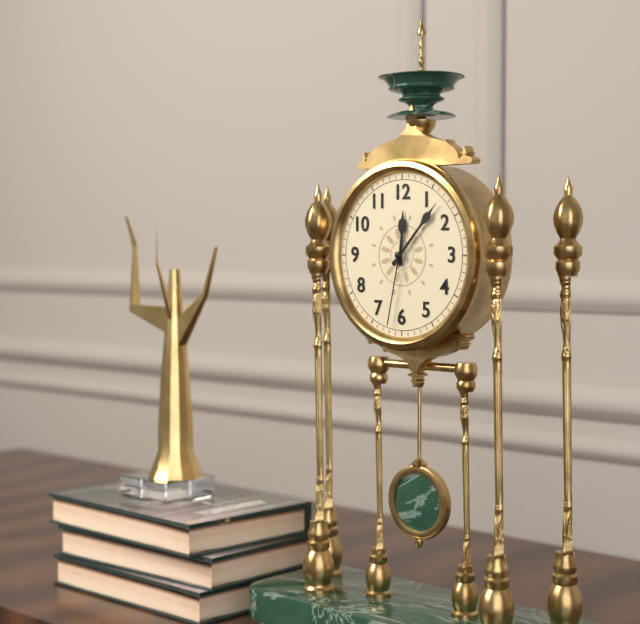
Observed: {"hour": 12, "minute": 7, "second": 32}
